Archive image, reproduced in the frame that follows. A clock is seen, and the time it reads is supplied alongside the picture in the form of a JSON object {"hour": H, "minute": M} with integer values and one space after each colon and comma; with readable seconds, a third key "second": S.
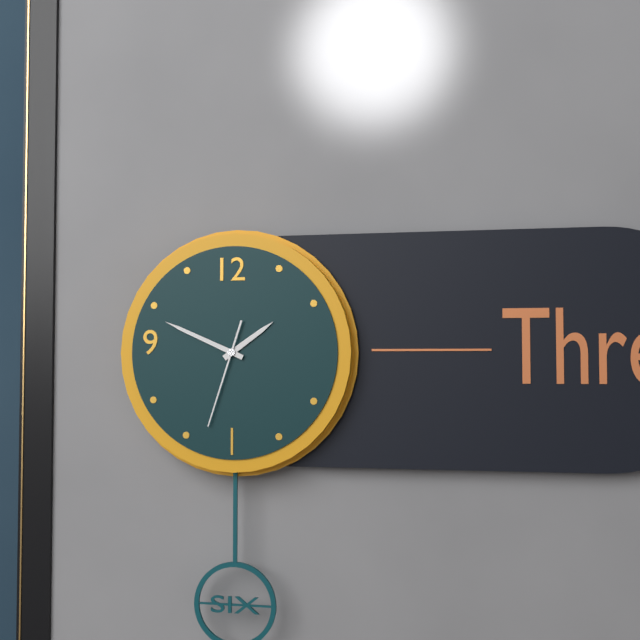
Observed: {"hour": 1, "minute": 49, "second": 33}
